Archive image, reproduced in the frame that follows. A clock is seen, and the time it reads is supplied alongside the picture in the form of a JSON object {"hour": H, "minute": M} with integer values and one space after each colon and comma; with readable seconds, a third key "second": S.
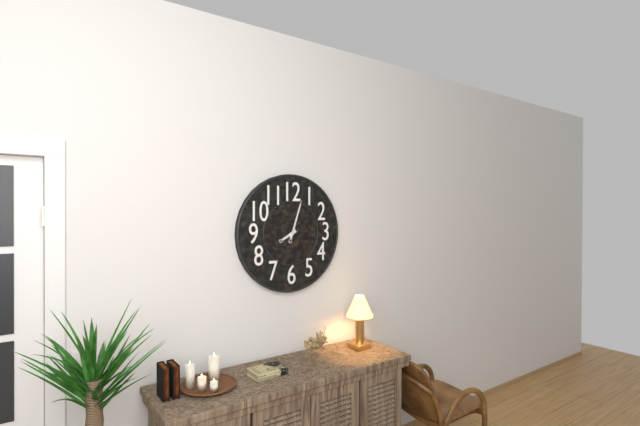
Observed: {"hour": 8, "minute": 3}
